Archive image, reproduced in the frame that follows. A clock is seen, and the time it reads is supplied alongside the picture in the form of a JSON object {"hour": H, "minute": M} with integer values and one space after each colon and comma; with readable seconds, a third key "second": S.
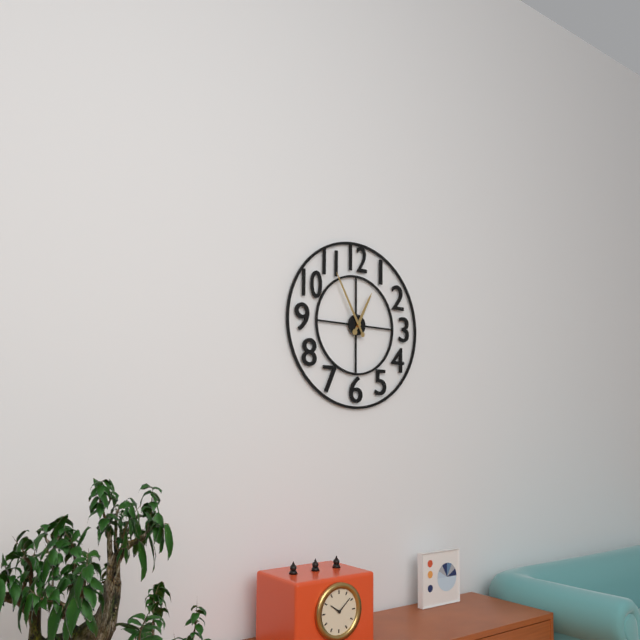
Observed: {"hour": 12, "minute": 55}
